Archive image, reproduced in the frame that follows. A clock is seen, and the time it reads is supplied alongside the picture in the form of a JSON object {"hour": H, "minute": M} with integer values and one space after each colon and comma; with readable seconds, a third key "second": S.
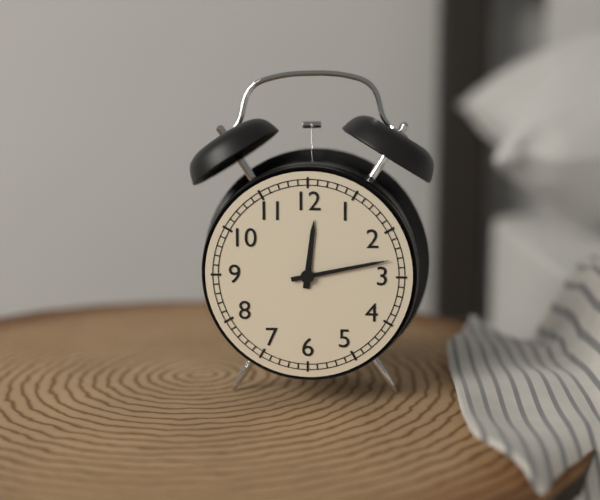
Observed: {"hour": 12, "minute": 13}
